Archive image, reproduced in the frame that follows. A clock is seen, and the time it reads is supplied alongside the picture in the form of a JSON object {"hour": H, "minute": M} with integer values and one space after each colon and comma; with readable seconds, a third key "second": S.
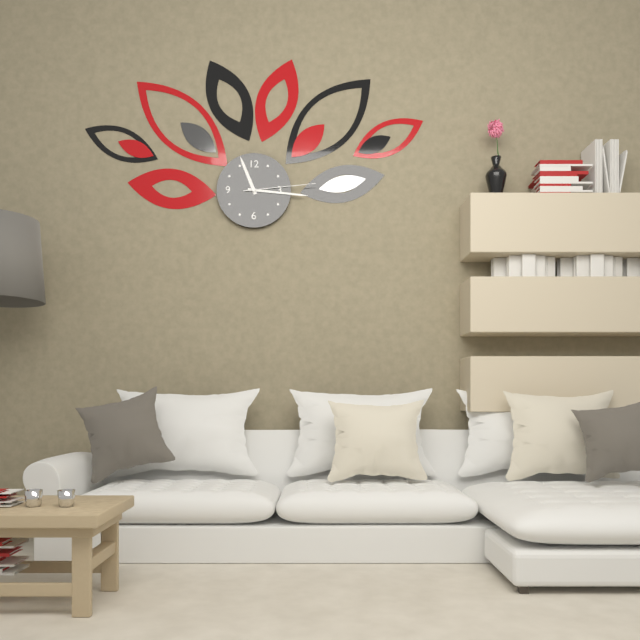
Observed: {"hour": 11, "minute": 16, "second": 14}
